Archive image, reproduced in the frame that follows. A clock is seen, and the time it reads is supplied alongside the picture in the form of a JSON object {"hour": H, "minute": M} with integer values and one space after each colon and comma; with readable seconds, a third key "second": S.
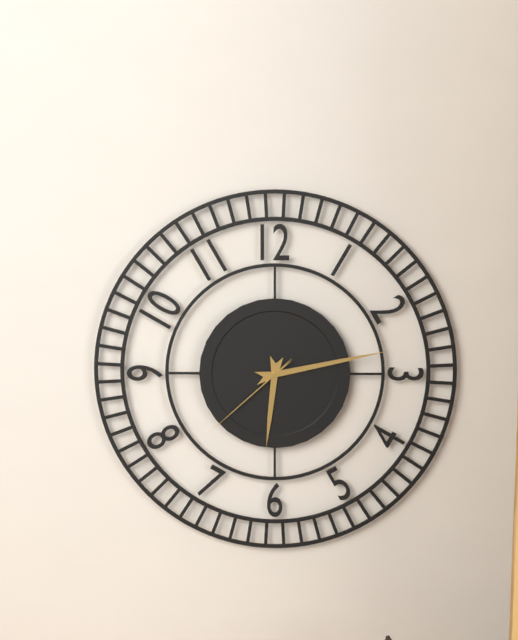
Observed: {"hour": 6, "minute": 13, "second": 38}
